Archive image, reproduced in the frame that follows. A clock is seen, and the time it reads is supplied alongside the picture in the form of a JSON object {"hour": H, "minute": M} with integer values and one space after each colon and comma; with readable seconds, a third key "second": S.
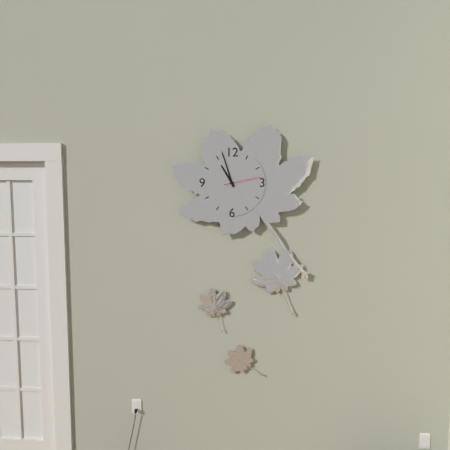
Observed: {"hour": 10, "minute": 57}
